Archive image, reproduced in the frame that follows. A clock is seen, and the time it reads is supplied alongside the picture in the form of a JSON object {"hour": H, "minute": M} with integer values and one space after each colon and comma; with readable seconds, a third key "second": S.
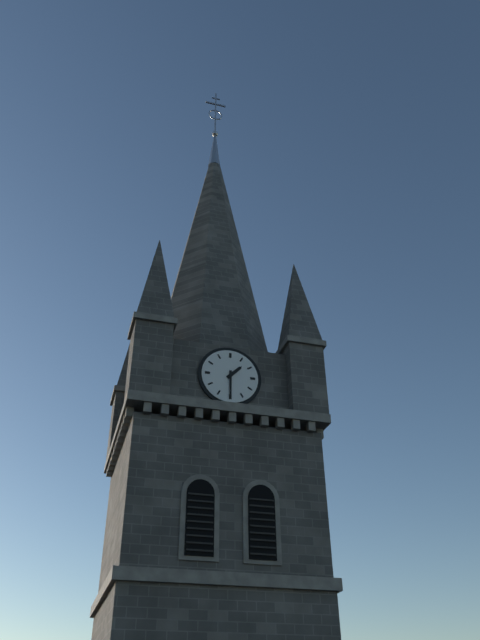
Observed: {"hour": 1, "minute": 30}
